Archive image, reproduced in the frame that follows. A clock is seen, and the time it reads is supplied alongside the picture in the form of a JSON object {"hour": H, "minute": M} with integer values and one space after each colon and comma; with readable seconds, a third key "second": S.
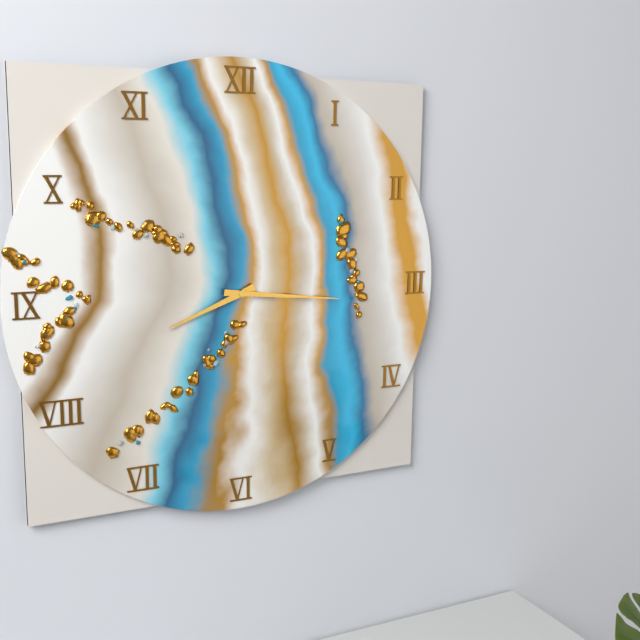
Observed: {"hour": 8, "minute": 16}
